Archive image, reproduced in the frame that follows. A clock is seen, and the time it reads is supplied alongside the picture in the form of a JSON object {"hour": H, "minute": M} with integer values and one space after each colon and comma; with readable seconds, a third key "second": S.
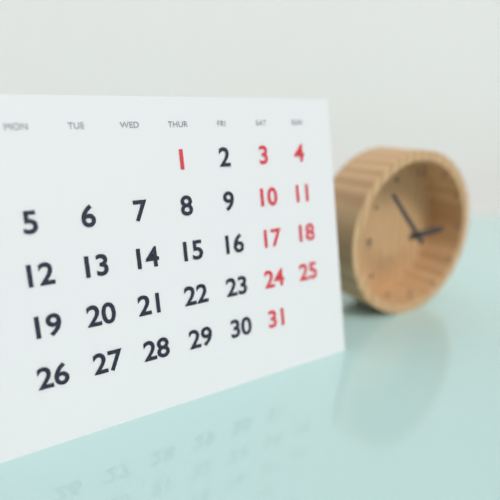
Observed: {"hour": 2, "minute": 53}
